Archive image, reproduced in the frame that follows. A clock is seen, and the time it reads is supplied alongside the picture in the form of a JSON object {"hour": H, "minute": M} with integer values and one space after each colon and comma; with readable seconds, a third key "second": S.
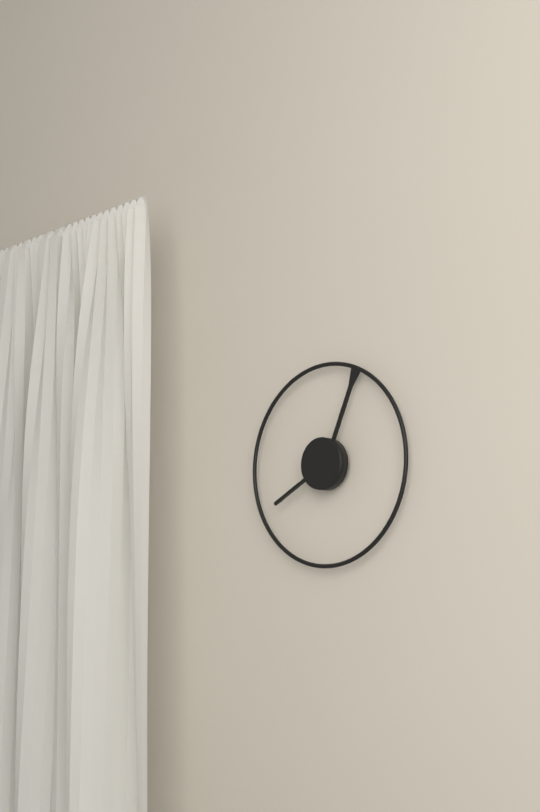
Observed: {"hour": 8, "minute": 4}
